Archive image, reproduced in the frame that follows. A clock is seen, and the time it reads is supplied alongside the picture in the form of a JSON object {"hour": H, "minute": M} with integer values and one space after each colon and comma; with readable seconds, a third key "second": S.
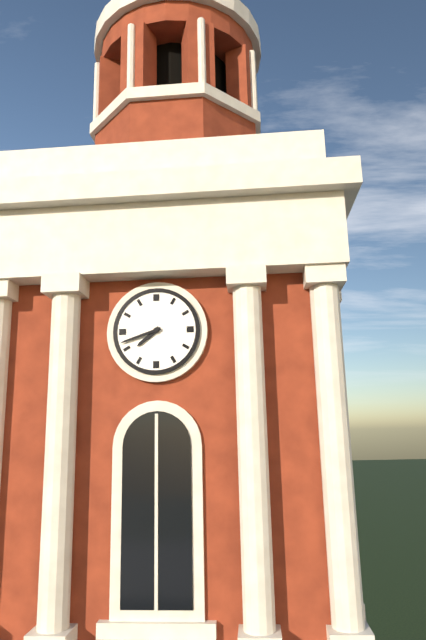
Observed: {"hour": 7, "minute": 42}
